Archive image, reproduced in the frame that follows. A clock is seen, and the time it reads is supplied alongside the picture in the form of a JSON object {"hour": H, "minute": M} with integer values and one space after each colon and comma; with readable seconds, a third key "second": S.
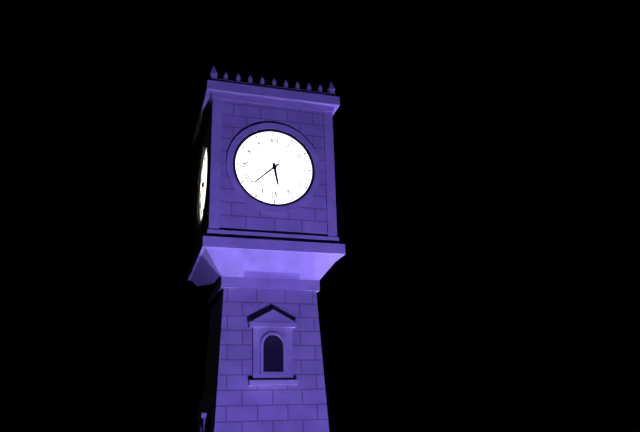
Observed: {"hour": 5, "minute": 38}
